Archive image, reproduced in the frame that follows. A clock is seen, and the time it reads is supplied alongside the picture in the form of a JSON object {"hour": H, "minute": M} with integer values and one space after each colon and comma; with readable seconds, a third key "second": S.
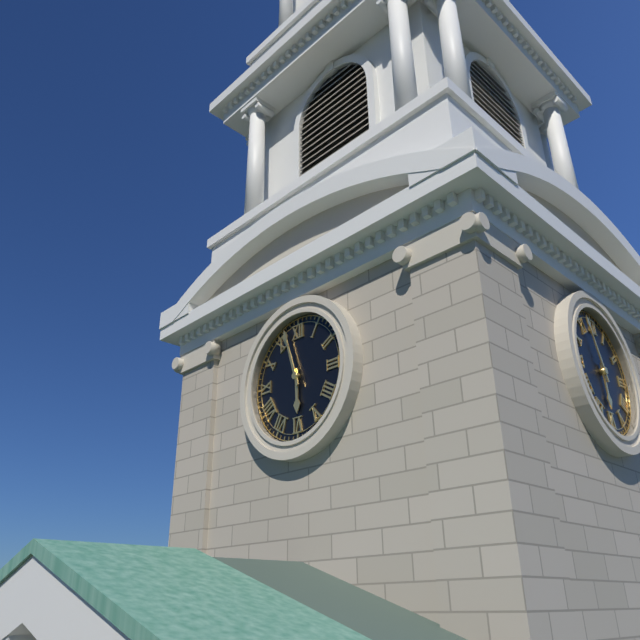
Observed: {"hour": 5, "minute": 57}
